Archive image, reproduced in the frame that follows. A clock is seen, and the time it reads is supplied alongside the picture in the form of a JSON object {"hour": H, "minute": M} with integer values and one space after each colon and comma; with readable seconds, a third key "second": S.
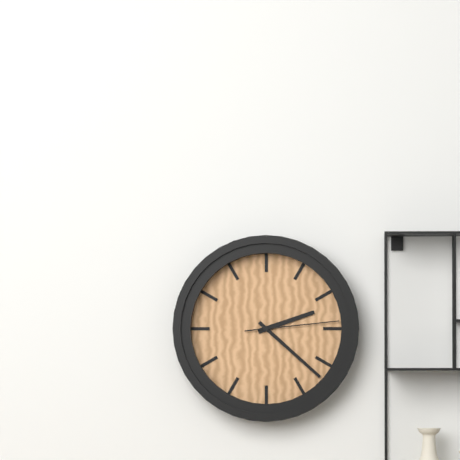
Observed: {"hour": 2, "minute": 22, "second": 14}
